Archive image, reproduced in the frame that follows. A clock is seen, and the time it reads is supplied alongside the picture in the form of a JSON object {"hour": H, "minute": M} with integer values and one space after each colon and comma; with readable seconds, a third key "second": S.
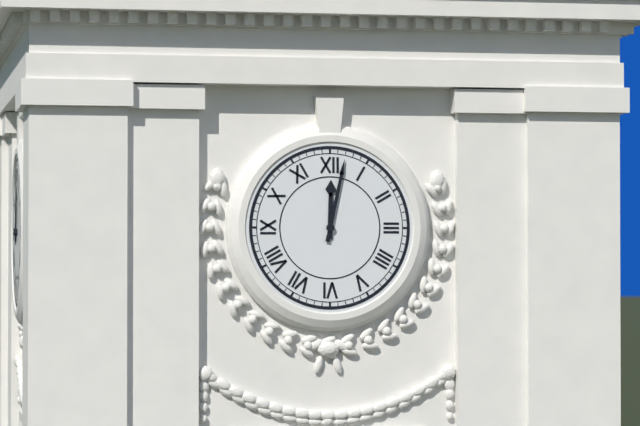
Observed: {"hour": 12, "minute": 2}
